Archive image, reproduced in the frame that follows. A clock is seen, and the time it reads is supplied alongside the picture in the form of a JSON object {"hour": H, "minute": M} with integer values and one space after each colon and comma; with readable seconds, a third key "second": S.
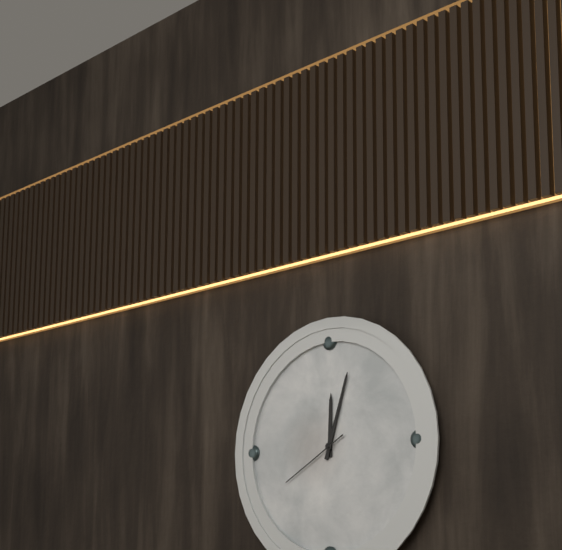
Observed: {"hour": 12, "minute": 3, "second": 40}
